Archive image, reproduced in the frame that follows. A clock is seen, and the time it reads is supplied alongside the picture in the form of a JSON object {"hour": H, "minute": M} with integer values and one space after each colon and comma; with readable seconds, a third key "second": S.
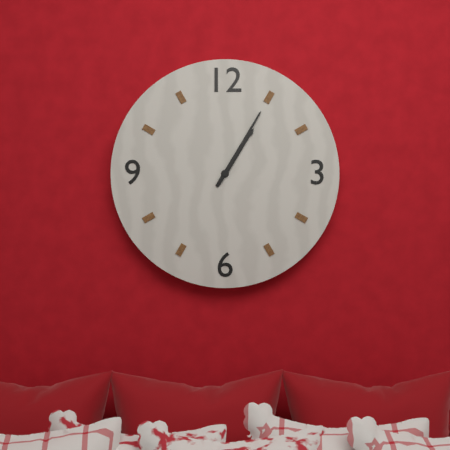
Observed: {"hour": 1, "minute": 5}
